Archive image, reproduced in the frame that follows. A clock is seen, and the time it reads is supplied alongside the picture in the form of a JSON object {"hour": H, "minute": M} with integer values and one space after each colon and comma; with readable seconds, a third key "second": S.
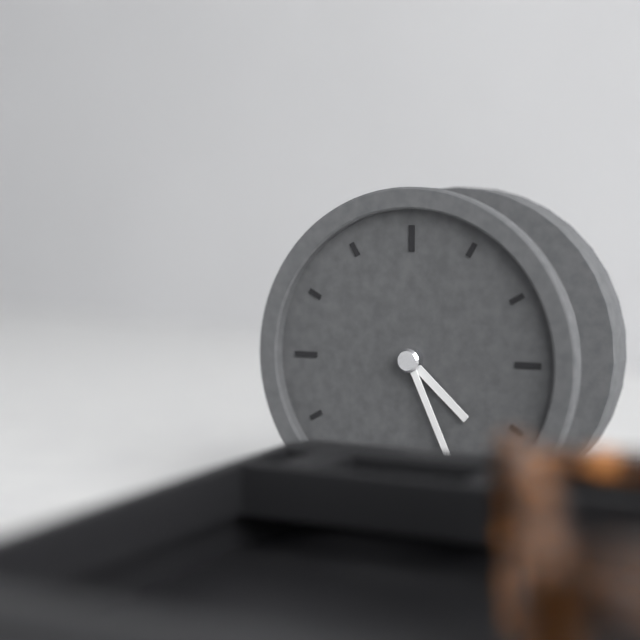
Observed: {"hour": 4, "minute": 26}
